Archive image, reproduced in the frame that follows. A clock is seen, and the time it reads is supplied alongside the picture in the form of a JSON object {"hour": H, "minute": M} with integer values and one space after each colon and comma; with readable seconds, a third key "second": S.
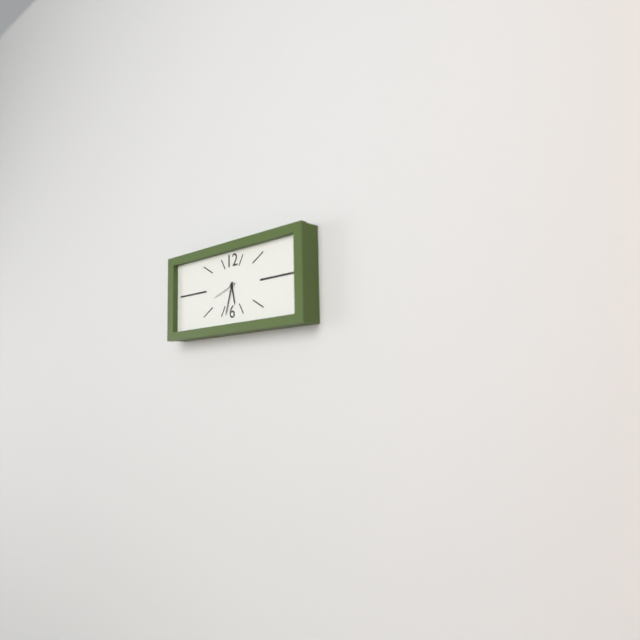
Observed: {"hour": 5, "minute": 33}
